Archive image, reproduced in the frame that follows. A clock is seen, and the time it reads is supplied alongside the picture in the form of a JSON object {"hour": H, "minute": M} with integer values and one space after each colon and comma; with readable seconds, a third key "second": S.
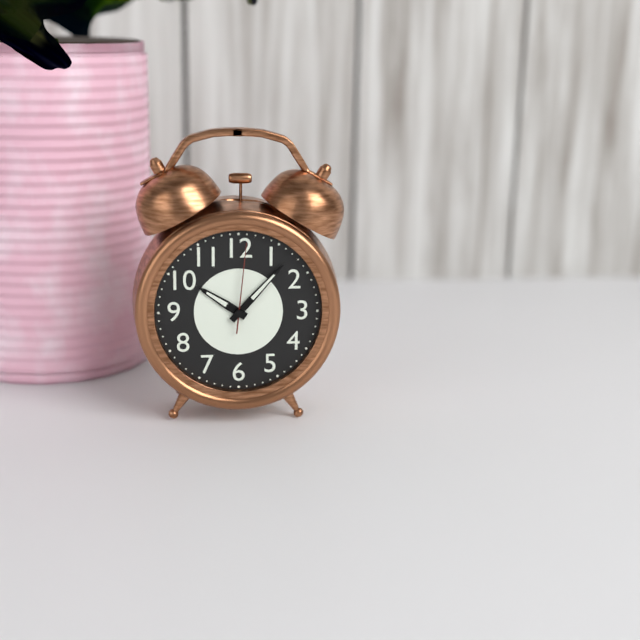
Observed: {"hour": 10, "minute": 7, "second": 1}
